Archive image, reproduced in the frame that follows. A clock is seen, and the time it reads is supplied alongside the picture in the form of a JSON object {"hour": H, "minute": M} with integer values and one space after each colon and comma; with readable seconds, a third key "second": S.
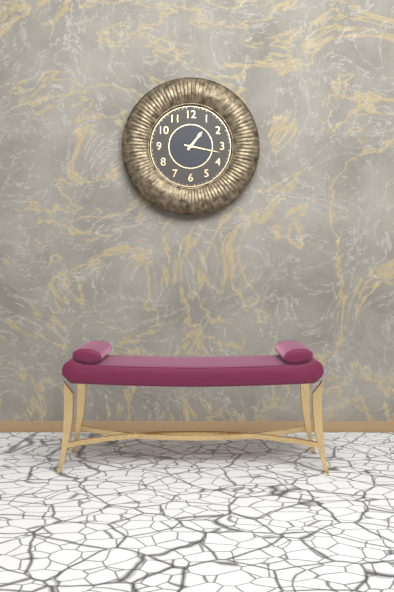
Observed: {"hour": 1, "minute": 17}
